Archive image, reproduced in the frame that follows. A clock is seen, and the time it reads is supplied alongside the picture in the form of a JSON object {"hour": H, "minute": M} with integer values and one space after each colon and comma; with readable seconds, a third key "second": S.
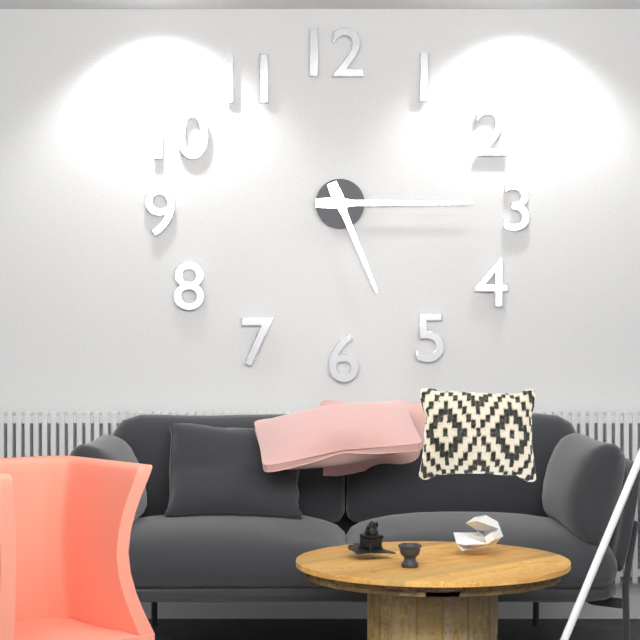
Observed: {"hour": 5, "minute": 15}
